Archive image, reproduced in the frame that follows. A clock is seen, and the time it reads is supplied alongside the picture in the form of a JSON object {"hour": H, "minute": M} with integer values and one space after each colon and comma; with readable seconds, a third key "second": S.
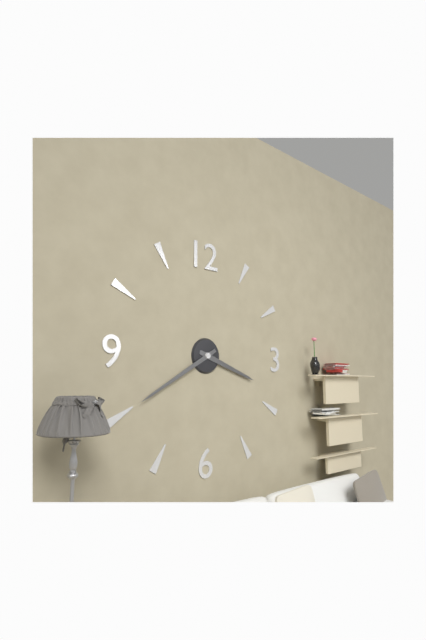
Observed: {"hour": 3, "minute": 40}
